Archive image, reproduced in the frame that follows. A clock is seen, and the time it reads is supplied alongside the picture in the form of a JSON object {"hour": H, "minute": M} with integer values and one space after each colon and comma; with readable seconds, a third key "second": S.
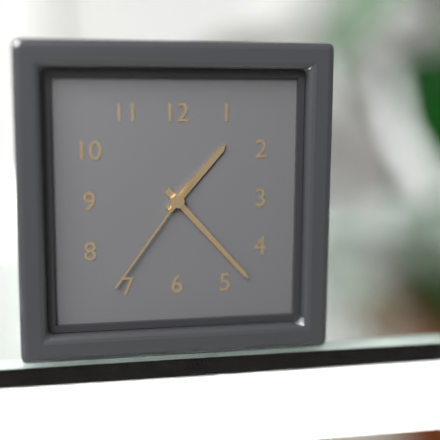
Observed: {"hour": 1, "minute": 23, "second": 36}
